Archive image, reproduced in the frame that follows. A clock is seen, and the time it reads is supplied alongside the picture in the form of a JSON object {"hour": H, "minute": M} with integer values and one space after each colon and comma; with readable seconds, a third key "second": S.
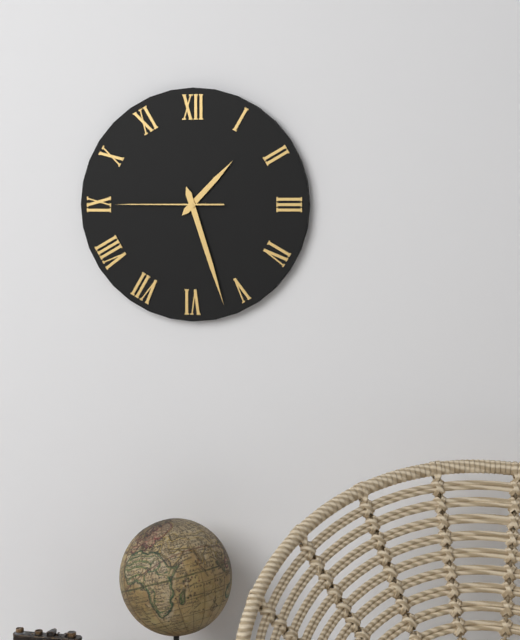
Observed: {"hour": 1, "minute": 27, "second": 45}
